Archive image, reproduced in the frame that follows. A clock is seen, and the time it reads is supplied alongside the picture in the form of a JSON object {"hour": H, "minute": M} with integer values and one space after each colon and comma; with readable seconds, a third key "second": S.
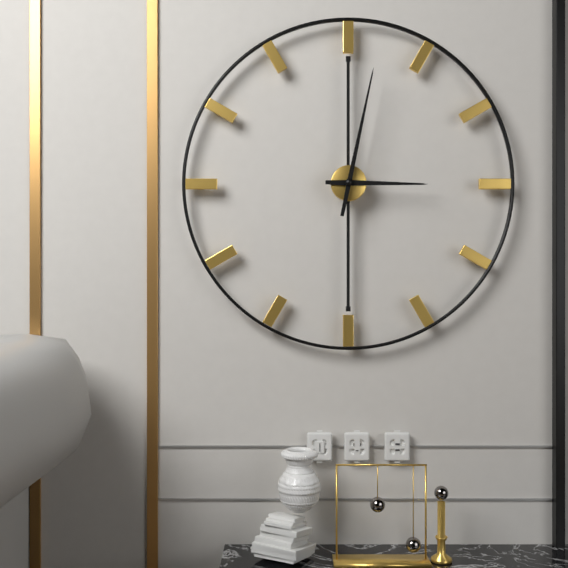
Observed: {"hour": 3, "minute": 2}
